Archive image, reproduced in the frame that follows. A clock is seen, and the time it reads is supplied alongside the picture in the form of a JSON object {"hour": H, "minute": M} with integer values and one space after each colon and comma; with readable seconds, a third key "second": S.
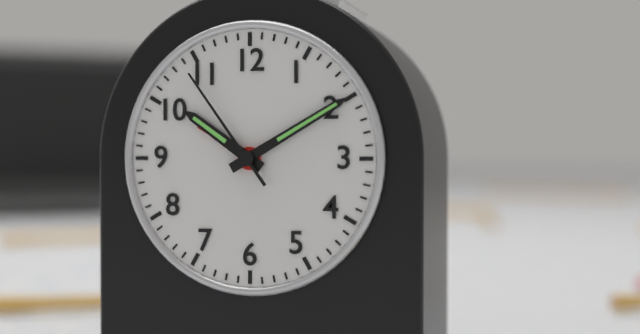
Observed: {"hour": 10, "minute": 10, "second": 54}
